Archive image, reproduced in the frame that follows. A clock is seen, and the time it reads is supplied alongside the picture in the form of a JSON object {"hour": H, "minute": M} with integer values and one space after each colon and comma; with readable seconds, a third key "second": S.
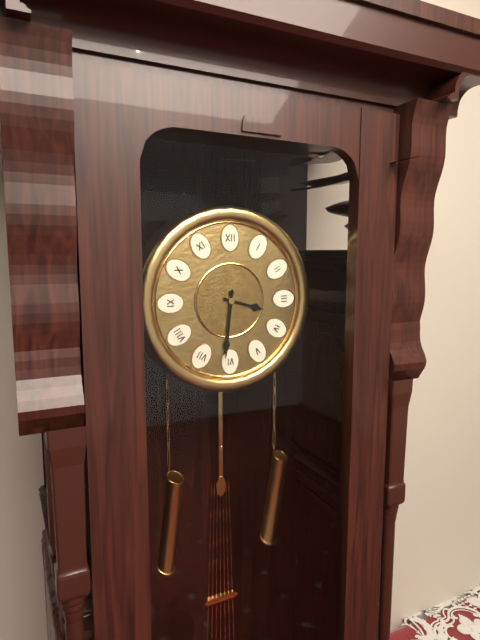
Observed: {"hour": 3, "minute": 31}
